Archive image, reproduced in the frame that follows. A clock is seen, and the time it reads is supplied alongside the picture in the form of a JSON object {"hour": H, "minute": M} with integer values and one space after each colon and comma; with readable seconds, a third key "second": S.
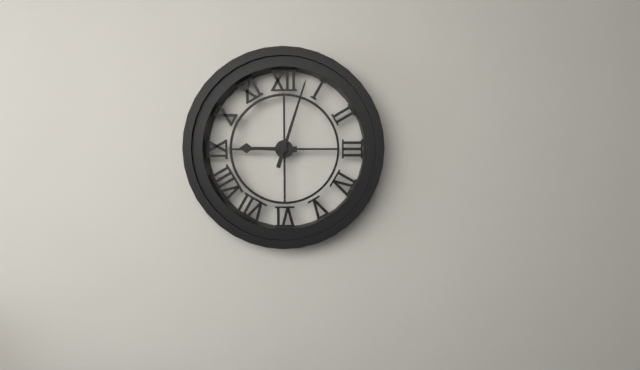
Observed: {"hour": 9, "minute": 3}
